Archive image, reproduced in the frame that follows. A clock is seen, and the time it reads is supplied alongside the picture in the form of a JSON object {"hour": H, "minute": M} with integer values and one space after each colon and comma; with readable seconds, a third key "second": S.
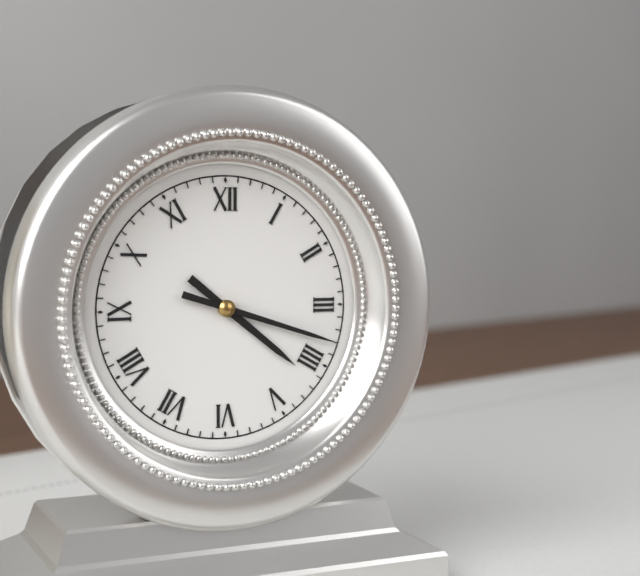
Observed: {"hour": 4, "minute": 18}
